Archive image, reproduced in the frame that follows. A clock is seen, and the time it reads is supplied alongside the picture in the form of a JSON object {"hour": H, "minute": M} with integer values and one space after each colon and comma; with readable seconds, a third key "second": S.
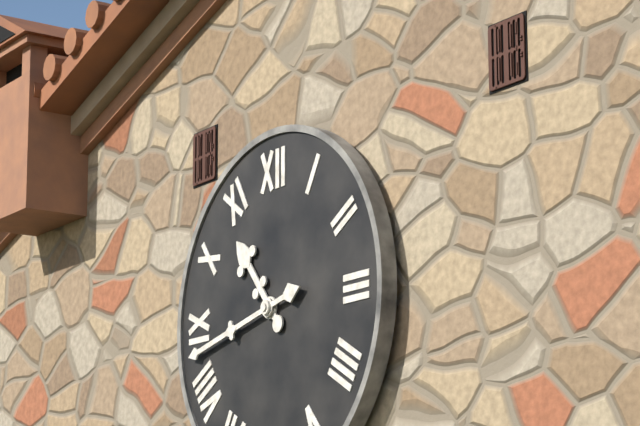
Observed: {"hour": 10, "minute": 43}
